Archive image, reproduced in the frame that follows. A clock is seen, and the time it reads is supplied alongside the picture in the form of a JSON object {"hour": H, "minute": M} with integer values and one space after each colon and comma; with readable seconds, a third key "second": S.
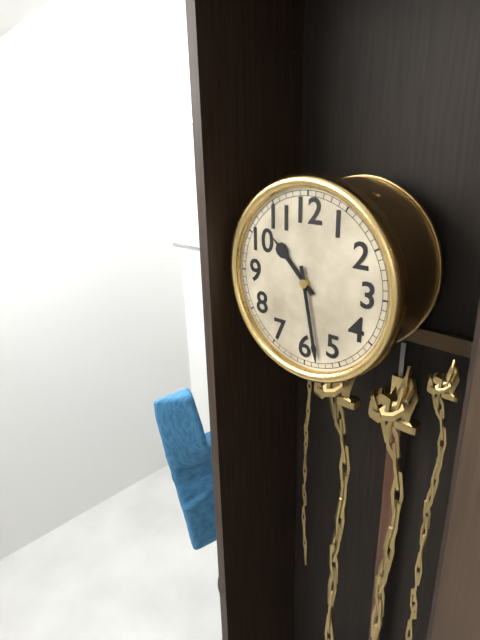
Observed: {"hour": 10, "minute": 28}
